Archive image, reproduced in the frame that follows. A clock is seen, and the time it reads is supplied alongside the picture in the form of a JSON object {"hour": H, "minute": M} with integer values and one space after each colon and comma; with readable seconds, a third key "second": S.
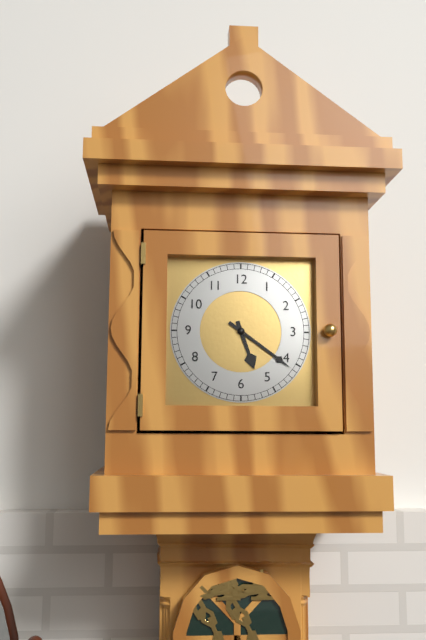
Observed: {"hour": 5, "minute": 21}
